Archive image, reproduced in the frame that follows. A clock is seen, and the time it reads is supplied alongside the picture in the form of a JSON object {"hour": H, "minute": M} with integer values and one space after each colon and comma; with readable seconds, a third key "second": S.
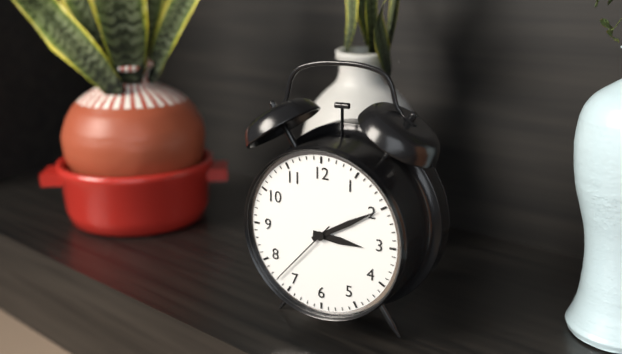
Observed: {"hour": 3, "minute": 10, "second": 37}
